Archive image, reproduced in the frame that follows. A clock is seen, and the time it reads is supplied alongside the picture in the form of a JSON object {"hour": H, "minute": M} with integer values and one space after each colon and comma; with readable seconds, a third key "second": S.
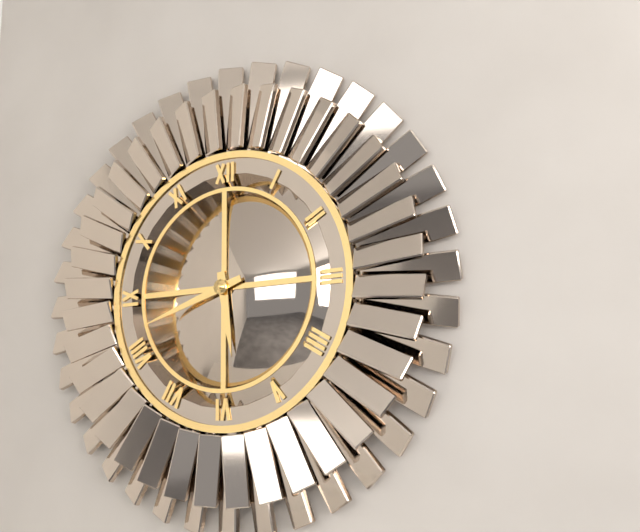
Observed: {"hour": 5, "minute": 42}
